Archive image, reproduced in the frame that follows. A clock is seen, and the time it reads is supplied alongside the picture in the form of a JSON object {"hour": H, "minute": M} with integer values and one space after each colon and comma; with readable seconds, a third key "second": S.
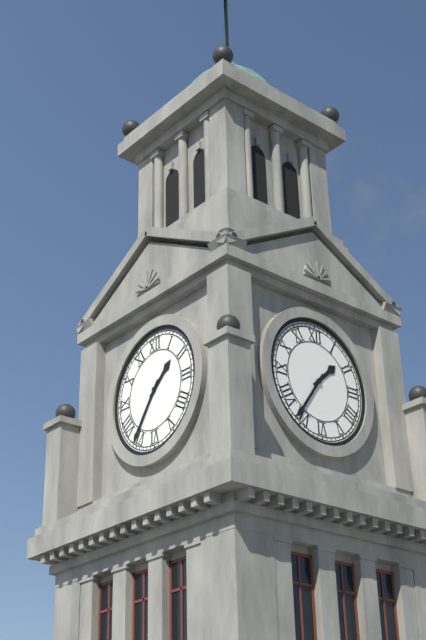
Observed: {"hour": 1, "minute": 36}
